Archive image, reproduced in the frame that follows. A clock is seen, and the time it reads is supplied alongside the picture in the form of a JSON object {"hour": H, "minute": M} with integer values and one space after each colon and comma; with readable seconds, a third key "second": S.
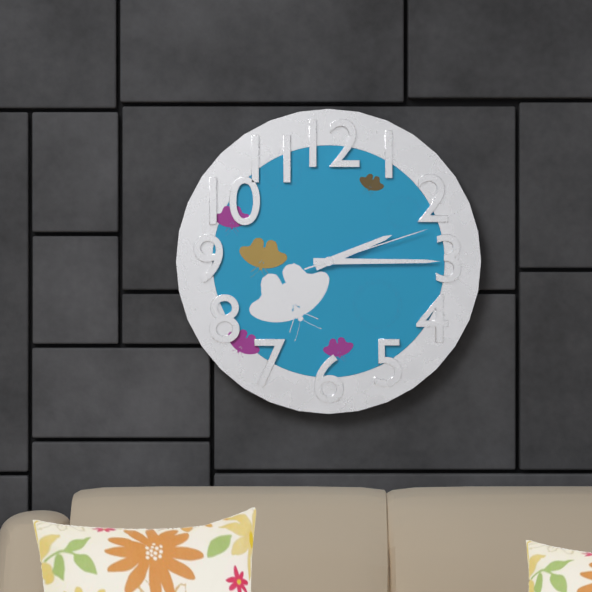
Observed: {"hour": 2, "minute": 15, "second": 12}
